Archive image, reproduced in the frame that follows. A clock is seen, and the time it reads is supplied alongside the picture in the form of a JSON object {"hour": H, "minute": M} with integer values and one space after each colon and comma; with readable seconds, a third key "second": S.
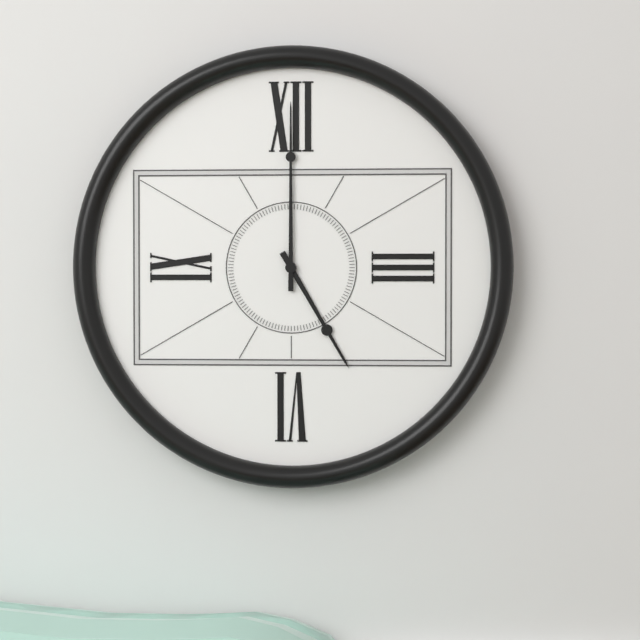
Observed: {"hour": 5, "minute": 0}
